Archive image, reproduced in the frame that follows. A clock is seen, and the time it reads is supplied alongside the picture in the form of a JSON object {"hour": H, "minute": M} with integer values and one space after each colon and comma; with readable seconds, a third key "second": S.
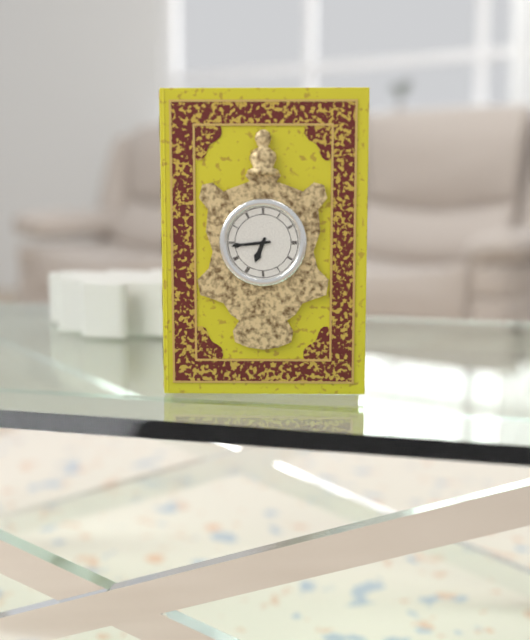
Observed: {"hour": 6, "minute": 44}
